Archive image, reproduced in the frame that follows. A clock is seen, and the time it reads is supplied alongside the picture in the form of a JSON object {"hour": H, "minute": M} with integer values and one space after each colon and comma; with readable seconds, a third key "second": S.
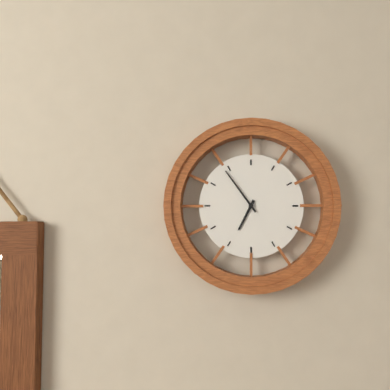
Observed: {"hour": 6, "minute": 54}
